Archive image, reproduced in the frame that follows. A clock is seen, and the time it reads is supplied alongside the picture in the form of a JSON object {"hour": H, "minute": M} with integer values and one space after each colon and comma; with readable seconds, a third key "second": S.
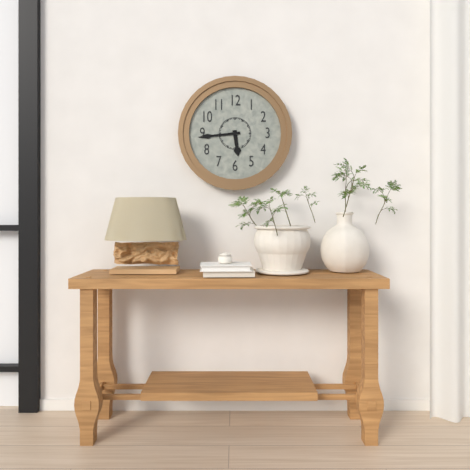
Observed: {"hour": 5, "minute": 44}
